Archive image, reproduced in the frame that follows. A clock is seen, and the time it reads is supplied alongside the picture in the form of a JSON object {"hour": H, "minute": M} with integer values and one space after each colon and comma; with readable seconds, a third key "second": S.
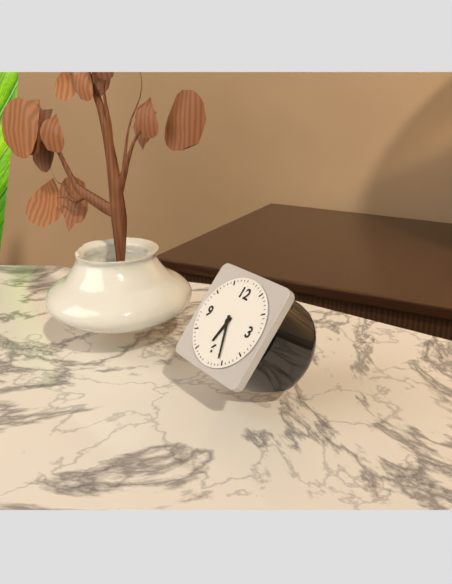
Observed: {"hour": 6, "minute": 26}
